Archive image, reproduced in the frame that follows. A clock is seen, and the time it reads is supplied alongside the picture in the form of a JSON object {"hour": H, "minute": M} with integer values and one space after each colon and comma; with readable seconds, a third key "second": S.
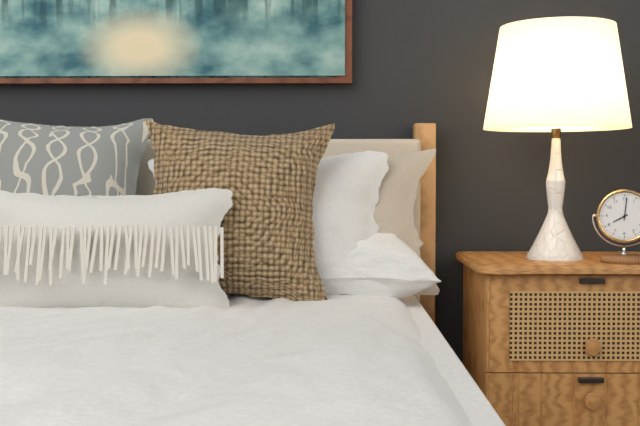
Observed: {"hour": 8, "minute": 1}
